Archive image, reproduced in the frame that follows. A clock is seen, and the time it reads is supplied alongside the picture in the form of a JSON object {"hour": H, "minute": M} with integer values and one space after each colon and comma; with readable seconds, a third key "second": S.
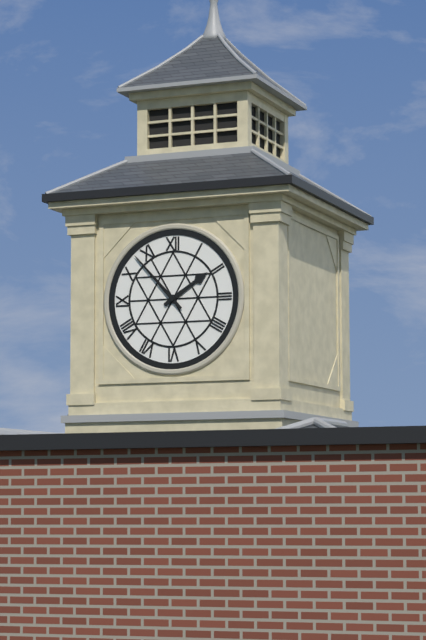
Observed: {"hour": 1, "minute": 53}
